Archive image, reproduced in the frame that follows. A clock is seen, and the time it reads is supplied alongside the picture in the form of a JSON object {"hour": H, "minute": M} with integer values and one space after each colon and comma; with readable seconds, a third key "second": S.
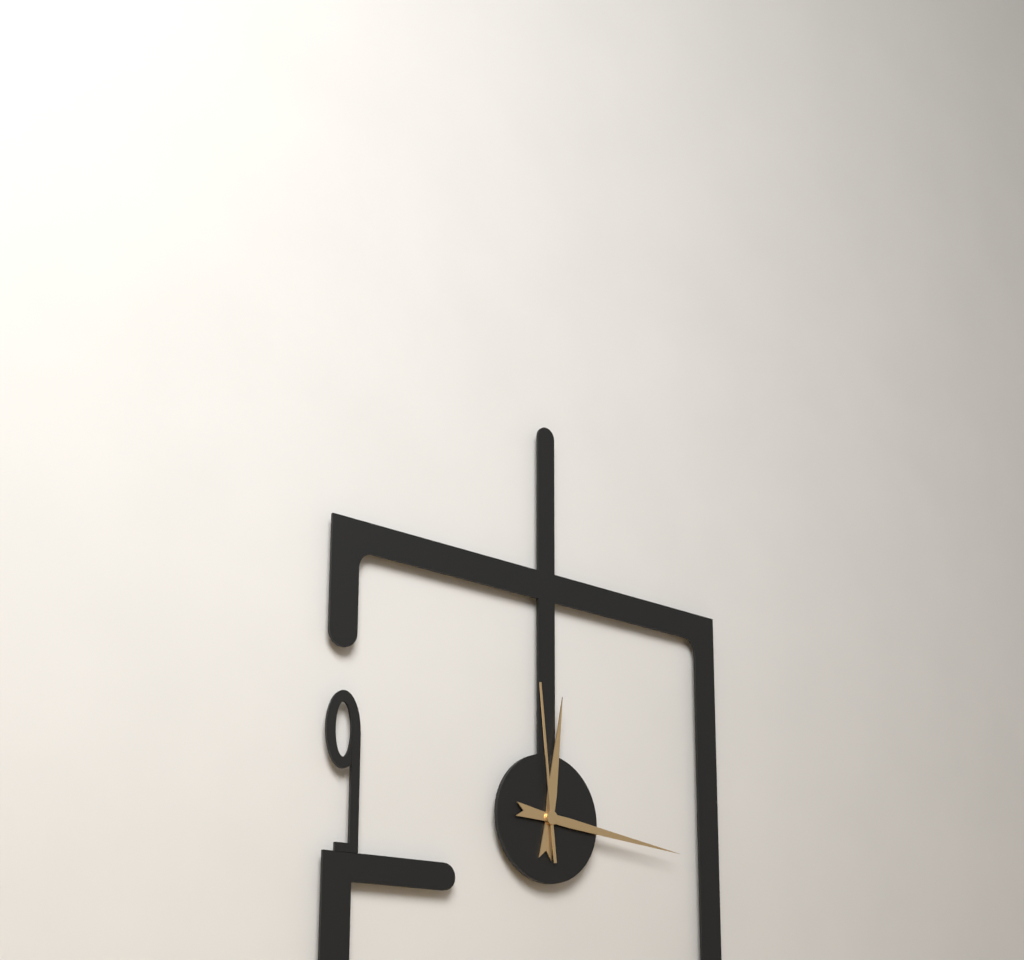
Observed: {"hour": 12, "minute": 16, "second": 59}
